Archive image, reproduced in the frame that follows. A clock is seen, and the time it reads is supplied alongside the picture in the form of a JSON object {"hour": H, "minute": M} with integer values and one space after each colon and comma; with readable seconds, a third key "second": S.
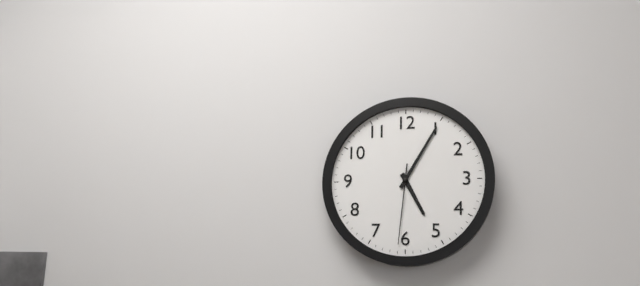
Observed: {"hour": 5, "minute": 5, "second": 31}
